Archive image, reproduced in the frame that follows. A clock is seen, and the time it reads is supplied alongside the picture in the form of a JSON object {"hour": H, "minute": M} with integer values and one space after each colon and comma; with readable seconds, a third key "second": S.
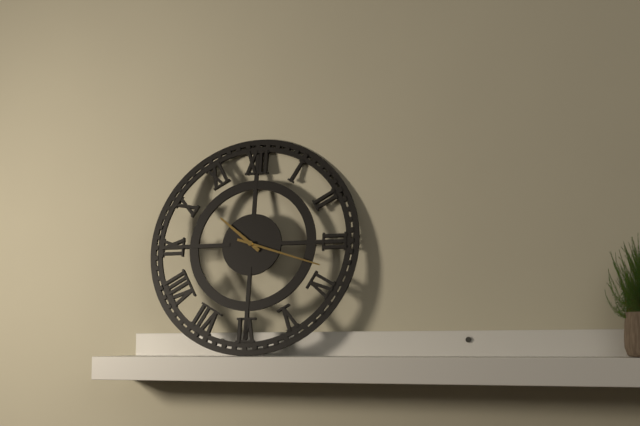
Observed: {"hour": 10, "minute": 18}
